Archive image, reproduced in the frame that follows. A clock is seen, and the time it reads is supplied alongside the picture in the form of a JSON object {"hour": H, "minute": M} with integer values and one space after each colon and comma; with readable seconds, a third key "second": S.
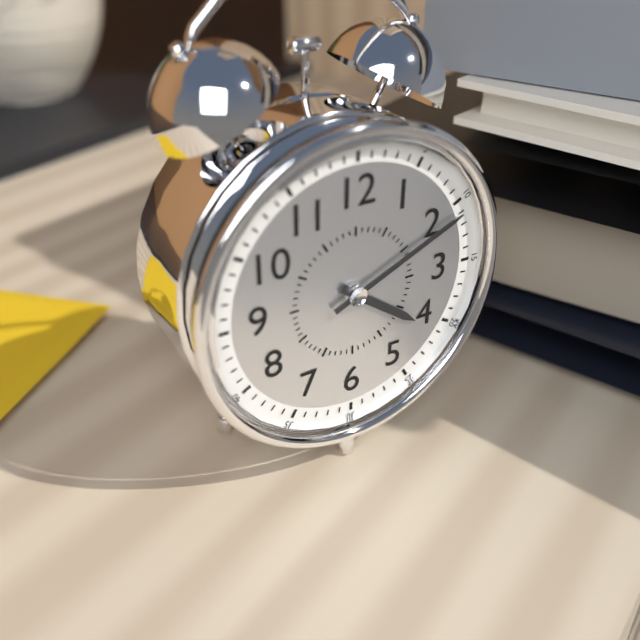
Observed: {"hour": 4, "minute": 11}
